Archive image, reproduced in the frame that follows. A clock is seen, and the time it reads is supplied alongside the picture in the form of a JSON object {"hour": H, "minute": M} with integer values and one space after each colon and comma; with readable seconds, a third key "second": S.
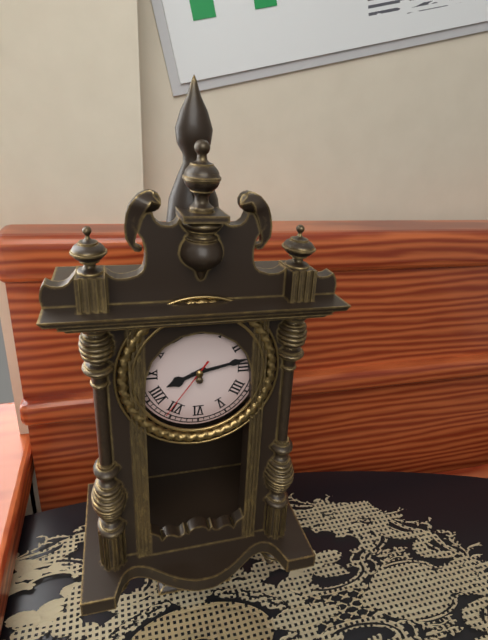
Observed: {"hour": 8, "minute": 13, "second": 36}
